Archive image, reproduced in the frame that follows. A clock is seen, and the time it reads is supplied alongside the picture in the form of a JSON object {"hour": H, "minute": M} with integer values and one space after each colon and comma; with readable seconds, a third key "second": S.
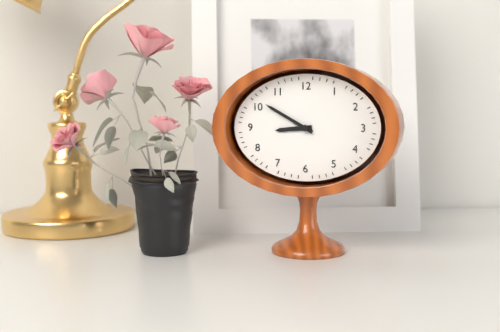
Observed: {"hour": 8, "minute": 50}
